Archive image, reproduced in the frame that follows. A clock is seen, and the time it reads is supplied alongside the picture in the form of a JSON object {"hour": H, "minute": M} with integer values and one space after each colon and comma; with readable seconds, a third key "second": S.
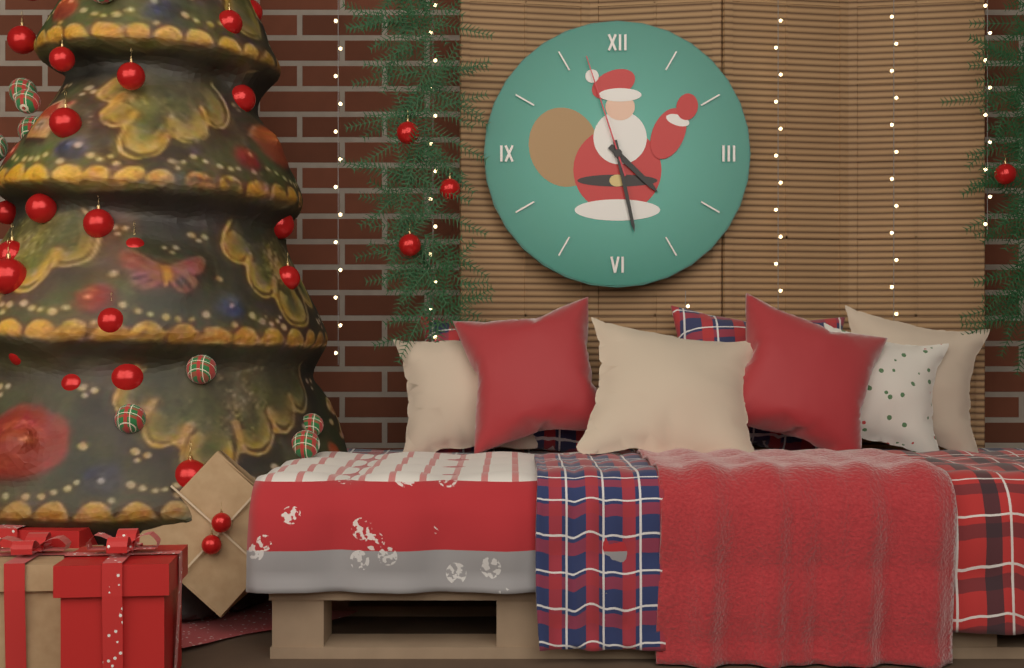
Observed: {"hour": 4, "minute": 28, "second": 57}
